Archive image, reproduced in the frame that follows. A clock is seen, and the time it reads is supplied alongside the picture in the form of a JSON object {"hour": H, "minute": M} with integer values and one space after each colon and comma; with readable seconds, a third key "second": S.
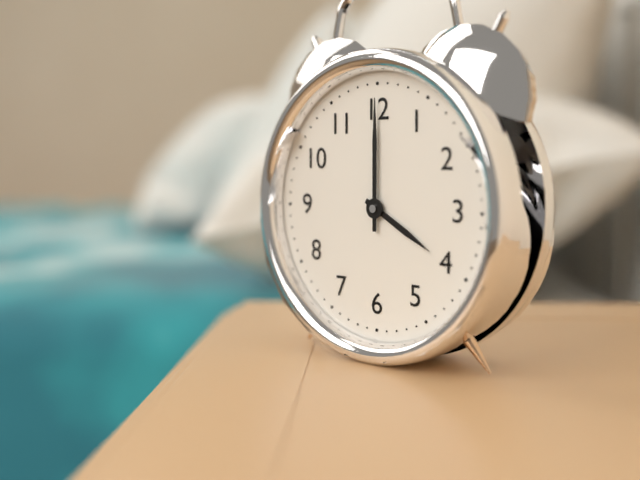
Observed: {"hour": 4, "minute": 0}
